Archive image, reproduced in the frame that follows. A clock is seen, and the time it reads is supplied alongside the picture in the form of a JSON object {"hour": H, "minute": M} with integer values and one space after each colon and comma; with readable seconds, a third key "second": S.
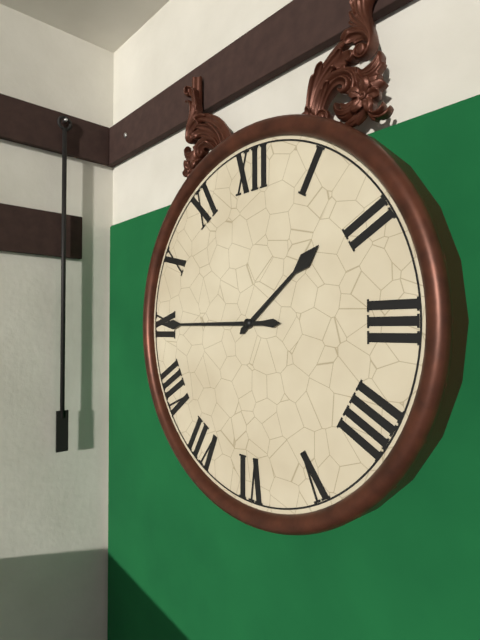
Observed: {"hour": 1, "minute": 45}
